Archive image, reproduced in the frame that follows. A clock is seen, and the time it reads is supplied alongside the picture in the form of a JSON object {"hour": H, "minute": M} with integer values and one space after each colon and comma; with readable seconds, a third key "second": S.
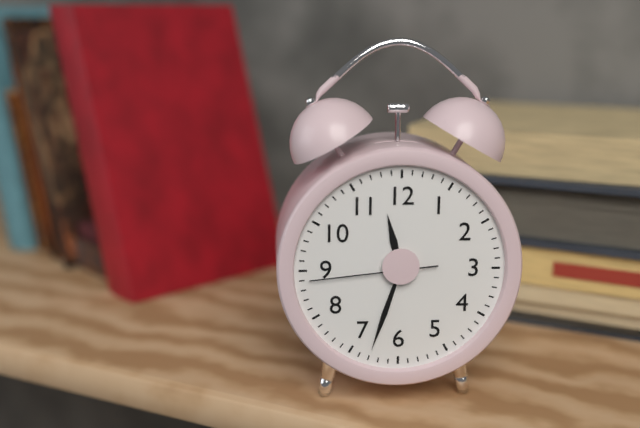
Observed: {"hour": 11, "minute": 33, "second": 44}
